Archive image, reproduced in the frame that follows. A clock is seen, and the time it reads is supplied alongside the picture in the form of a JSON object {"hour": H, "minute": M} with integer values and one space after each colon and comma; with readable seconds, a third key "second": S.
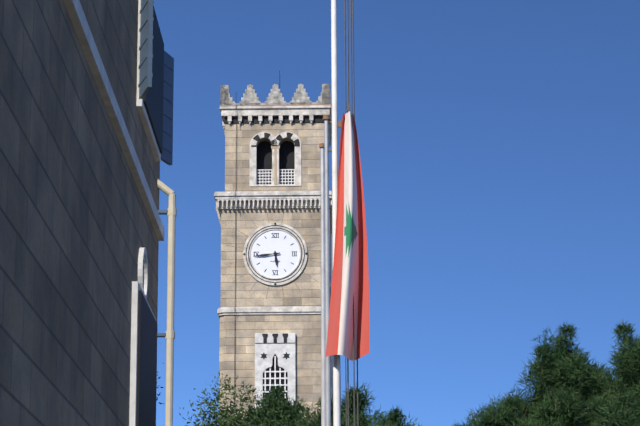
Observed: {"hour": 5, "minute": 44}
